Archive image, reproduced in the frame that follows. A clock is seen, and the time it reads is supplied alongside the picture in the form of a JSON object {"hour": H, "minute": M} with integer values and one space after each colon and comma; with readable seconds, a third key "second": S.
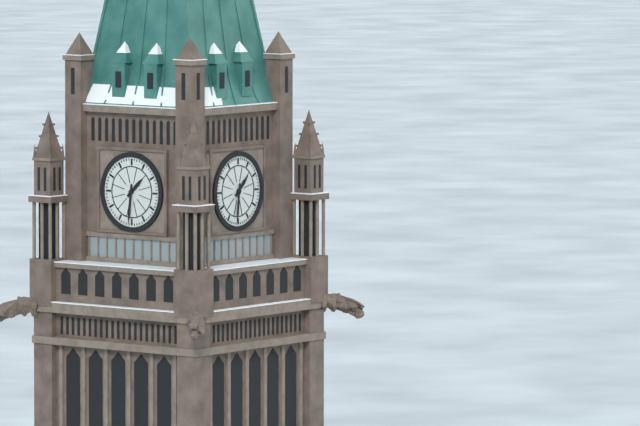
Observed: {"hour": 1, "minute": 31}
